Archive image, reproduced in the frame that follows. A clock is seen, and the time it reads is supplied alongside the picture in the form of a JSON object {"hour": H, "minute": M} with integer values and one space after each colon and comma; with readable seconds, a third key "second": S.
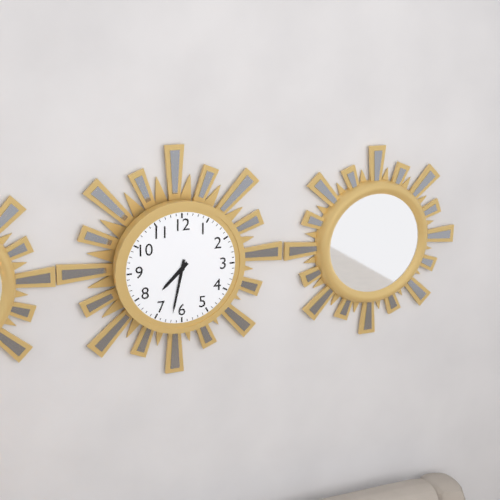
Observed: {"hour": 7, "minute": 32}
